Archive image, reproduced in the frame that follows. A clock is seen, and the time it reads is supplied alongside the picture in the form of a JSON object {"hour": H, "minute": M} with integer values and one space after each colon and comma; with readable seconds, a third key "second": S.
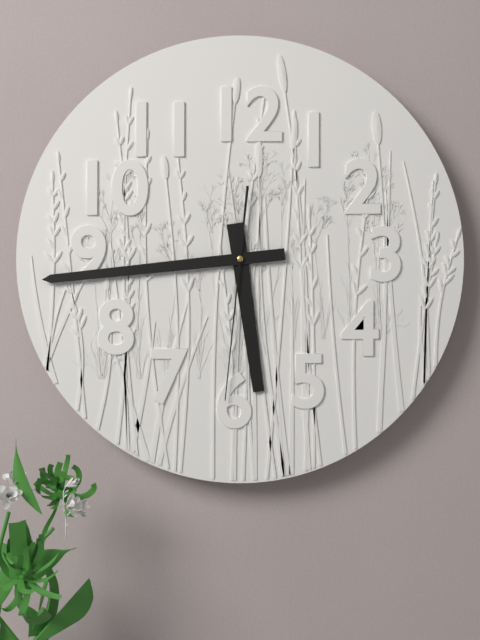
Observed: {"hour": 5, "minute": 44, "second": 31}
